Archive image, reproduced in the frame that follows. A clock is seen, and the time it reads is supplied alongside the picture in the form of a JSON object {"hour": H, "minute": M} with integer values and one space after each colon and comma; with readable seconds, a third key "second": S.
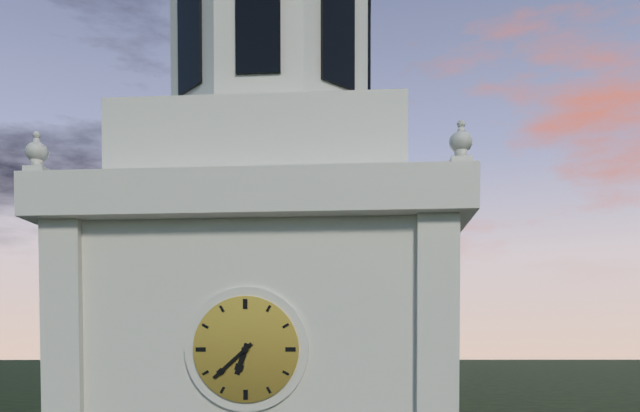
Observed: {"hour": 6, "minute": 38}
